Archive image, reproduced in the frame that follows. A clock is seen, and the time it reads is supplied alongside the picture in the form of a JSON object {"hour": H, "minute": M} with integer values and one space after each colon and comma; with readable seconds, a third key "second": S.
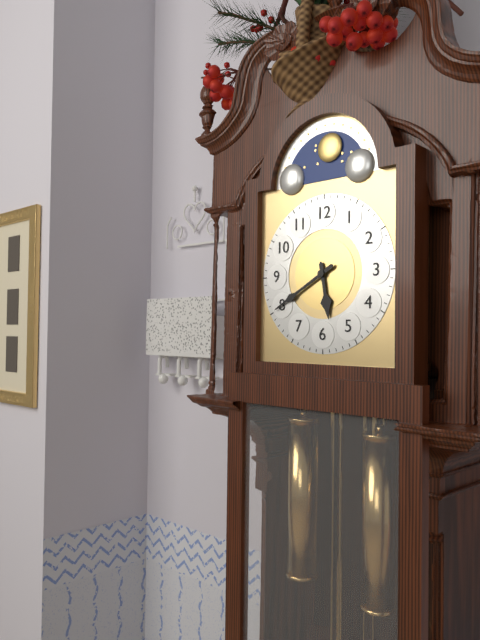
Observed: {"hour": 5, "minute": 40}
